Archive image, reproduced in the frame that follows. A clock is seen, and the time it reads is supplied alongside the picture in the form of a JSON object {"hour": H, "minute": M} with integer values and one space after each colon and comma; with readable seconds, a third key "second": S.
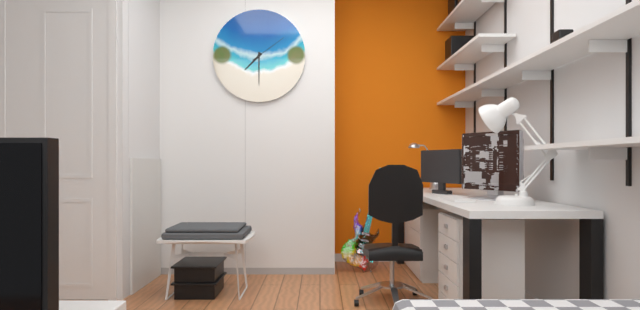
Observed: {"hour": 7, "minute": 30}
